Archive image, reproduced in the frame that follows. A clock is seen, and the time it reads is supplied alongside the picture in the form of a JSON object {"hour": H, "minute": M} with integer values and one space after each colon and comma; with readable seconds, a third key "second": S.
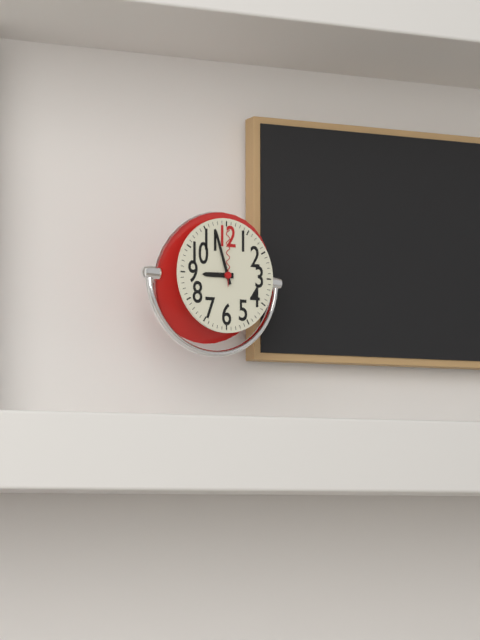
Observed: {"hour": 8, "minute": 57, "second": 0}
